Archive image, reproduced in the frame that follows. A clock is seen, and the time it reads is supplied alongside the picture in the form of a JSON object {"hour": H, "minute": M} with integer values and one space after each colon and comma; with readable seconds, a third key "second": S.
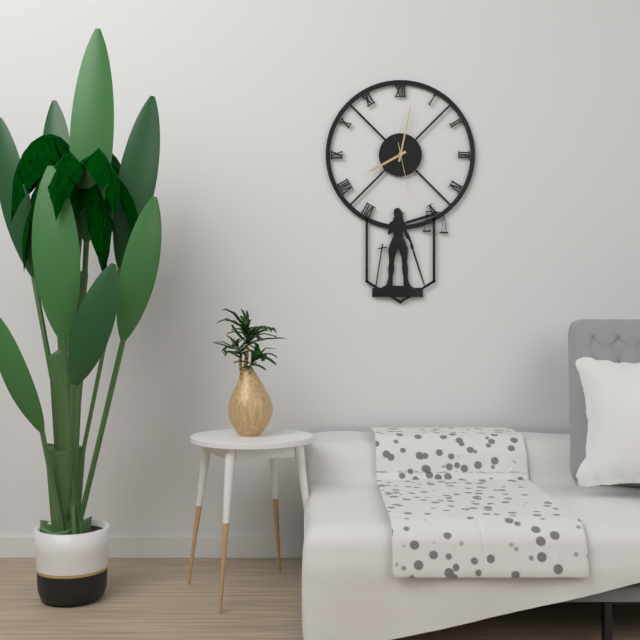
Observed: {"hour": 8, "minute": 2, "second": 28}
